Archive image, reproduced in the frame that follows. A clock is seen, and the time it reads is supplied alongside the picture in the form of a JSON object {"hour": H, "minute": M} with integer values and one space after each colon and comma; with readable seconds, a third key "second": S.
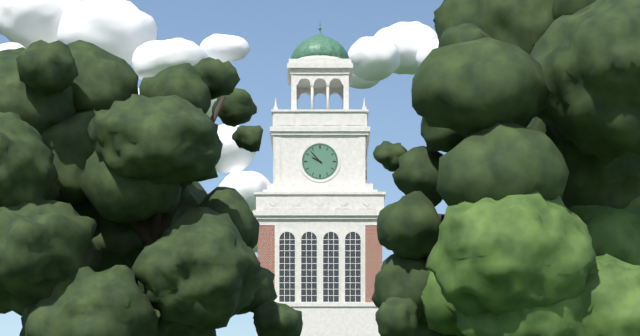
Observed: {"hour": 9, "minute": 53}
